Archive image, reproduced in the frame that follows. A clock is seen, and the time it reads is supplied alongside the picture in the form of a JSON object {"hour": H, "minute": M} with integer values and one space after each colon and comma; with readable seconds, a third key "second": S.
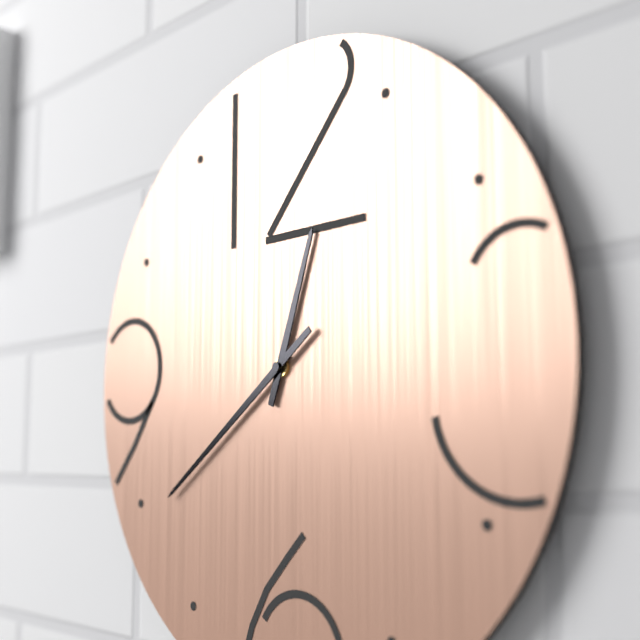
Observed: {"hour": 12, "minute": 39}
